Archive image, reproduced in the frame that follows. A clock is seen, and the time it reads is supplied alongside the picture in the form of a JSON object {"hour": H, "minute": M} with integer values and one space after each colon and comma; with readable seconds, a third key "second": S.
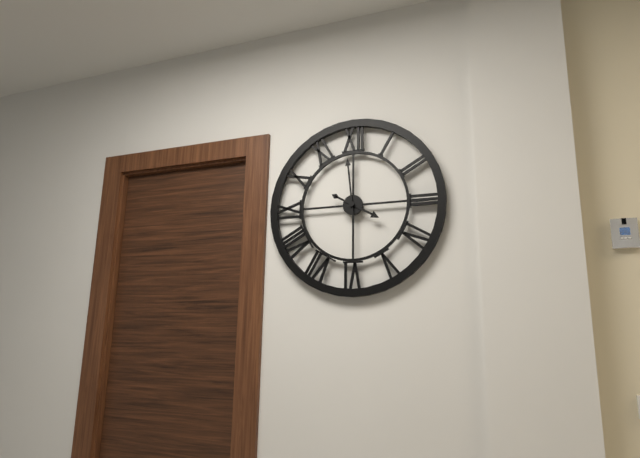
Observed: {"hour": 3, "minute": 59}
